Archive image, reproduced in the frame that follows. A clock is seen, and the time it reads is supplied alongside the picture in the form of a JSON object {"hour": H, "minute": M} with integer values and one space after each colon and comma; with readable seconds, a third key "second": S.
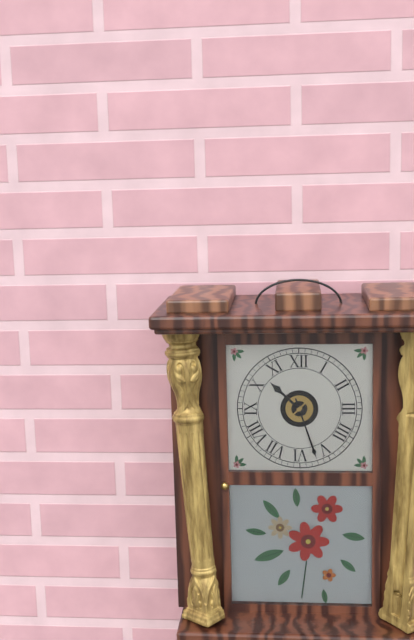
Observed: {"hour": 10, "minute": 27}
